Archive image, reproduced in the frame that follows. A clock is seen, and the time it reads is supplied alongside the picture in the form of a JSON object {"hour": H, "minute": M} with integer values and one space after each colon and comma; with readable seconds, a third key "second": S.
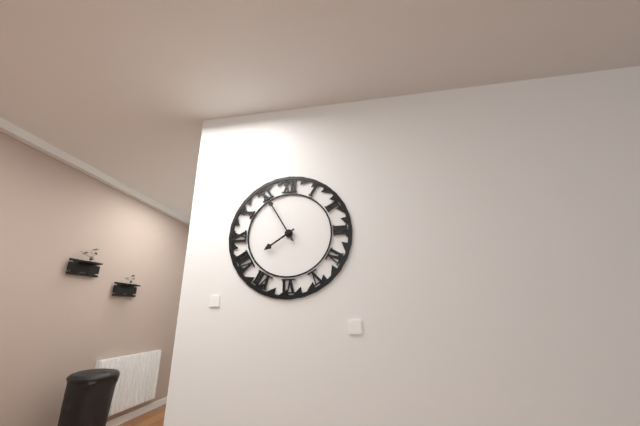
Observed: {"hour": 7, "minute": 55}
